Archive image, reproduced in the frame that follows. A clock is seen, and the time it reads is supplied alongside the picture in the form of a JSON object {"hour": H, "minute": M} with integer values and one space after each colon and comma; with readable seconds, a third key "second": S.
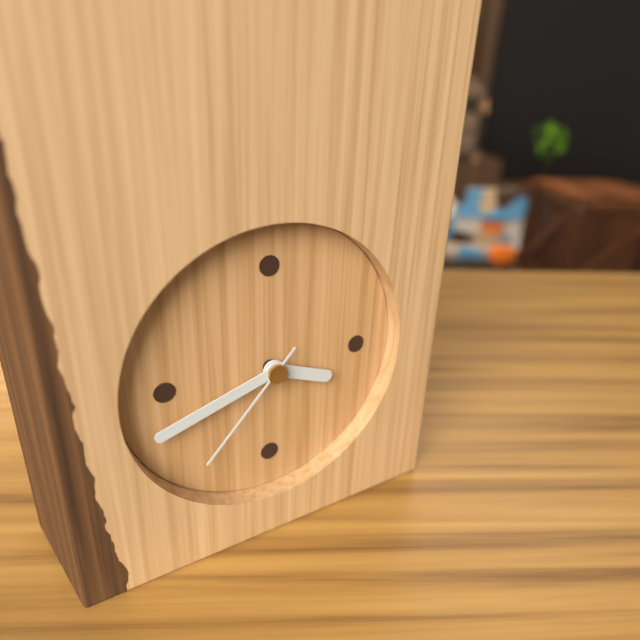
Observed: {"hour": 3, "minute": 42, "second": 37}
